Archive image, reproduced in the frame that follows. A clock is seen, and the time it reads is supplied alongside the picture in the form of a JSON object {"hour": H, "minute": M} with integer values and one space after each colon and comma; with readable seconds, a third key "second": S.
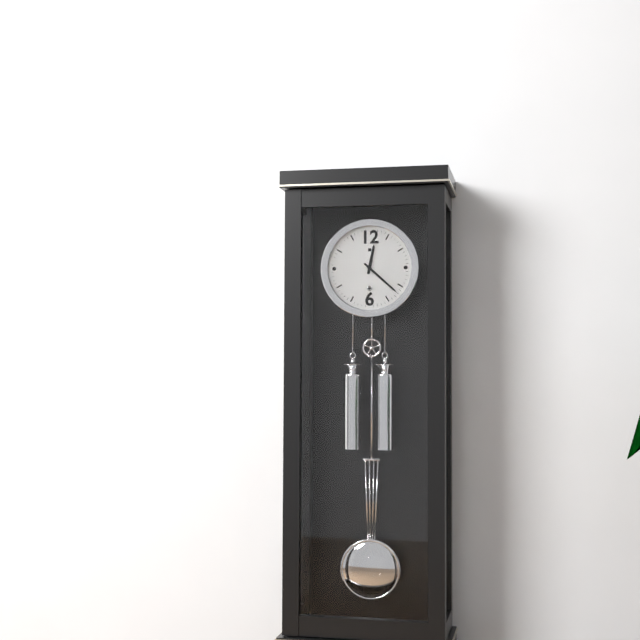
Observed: {"hour": 12, "minute": 22}
